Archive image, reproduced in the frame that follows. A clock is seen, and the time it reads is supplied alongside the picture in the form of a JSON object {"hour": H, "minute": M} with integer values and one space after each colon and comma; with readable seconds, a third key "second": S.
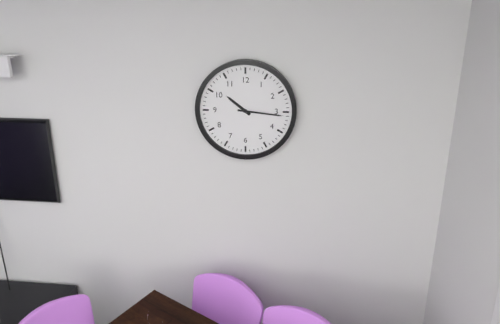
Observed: {"hour": 10, "minute": 16}
